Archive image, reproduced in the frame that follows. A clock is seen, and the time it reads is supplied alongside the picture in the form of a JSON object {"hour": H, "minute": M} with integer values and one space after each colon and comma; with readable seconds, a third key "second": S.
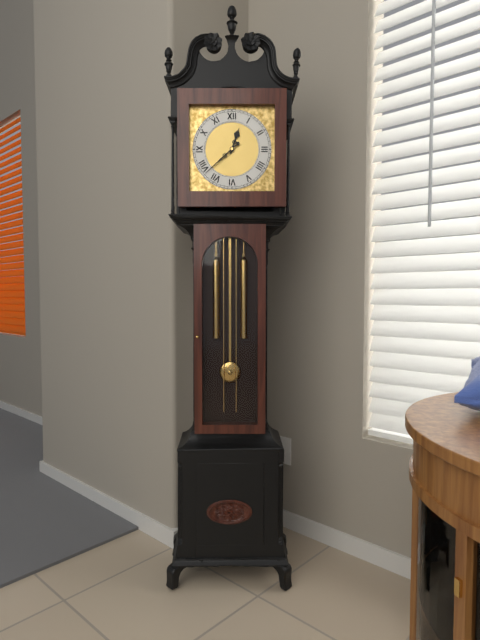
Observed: {"hour": 12, "minute": 38}
